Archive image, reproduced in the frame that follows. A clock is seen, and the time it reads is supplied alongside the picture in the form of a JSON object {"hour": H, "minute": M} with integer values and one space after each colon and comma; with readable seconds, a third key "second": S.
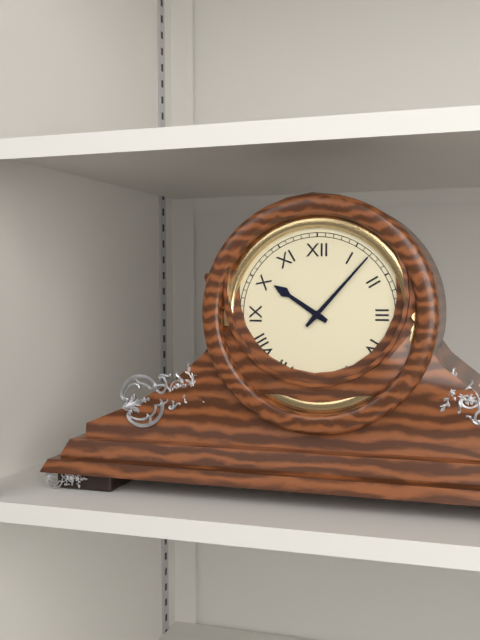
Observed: {"hour": 10, "minute": 7}
